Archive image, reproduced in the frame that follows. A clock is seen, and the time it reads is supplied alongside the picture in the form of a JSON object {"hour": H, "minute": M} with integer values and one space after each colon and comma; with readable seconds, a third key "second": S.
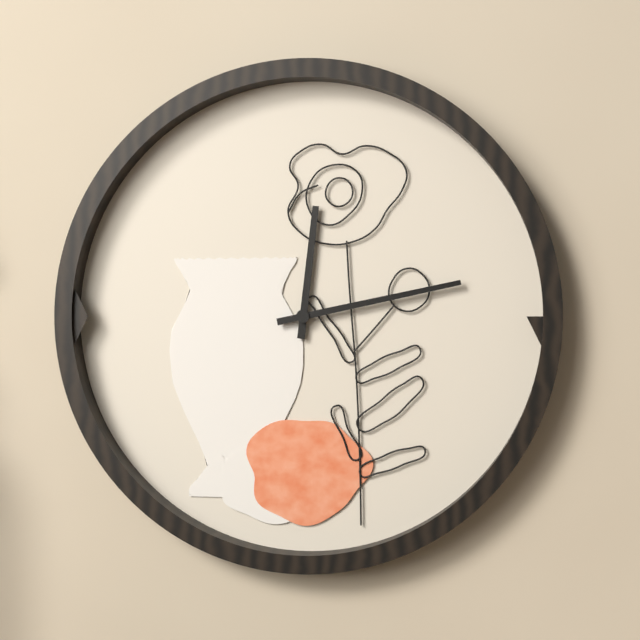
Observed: {"hour": 12, "minute": 13}
